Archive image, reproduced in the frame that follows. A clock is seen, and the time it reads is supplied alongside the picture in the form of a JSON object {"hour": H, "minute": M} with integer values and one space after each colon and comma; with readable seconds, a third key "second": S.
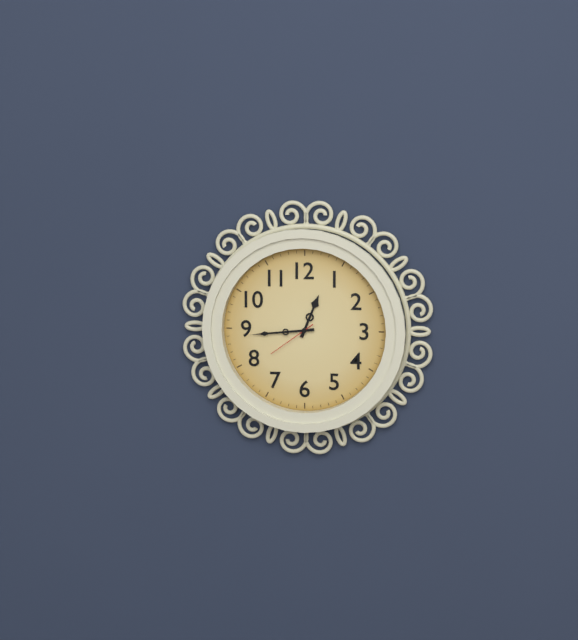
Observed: {"hour": 12, "minute": 44, "second": 39}
